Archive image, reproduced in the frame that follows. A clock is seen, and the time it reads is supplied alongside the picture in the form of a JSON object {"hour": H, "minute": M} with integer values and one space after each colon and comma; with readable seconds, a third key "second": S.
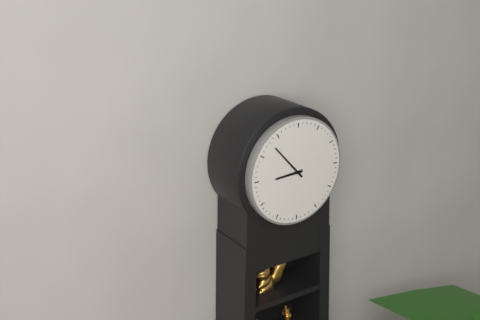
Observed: {"hour": 8, "minute": 53}
